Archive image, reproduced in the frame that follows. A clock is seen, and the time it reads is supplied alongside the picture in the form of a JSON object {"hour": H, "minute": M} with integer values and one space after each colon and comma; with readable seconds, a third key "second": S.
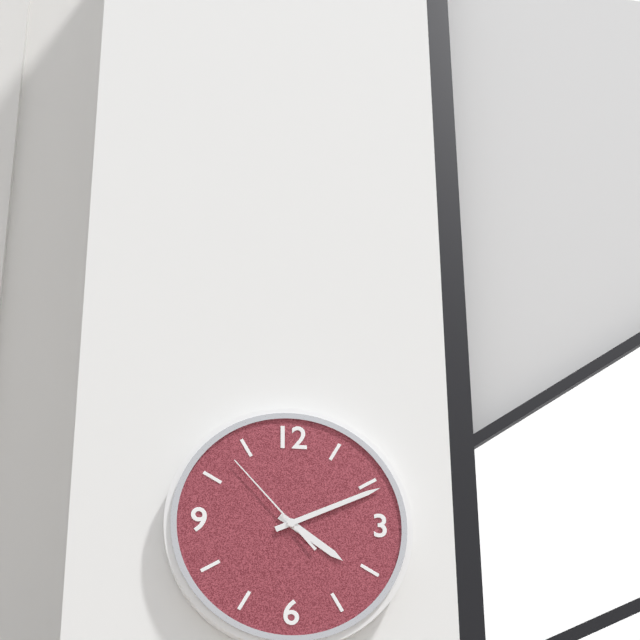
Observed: {"hour": 4, "minute": 11, "second": 53}
